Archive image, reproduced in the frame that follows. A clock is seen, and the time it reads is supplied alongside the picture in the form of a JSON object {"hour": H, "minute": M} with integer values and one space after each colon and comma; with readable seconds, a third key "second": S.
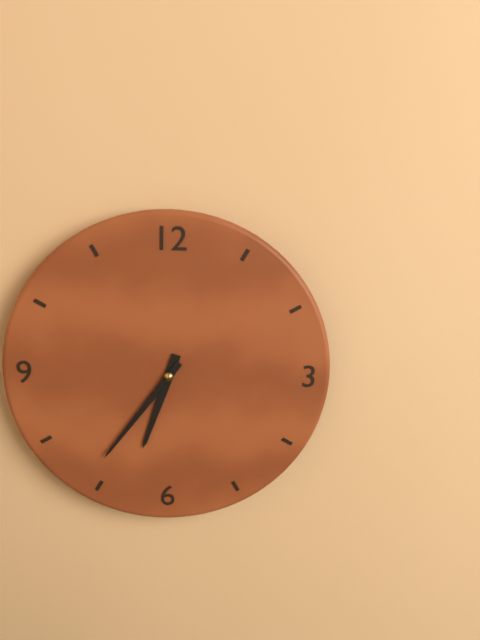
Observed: {"hour": 6, "minute": 36}
